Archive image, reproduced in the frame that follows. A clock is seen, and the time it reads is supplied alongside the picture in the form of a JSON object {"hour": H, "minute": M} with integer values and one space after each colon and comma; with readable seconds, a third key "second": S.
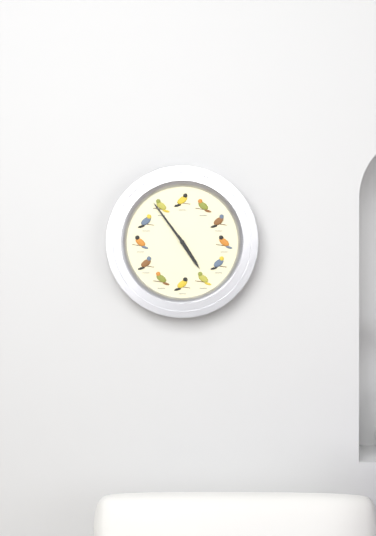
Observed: {"hour": 4, "minute": 54}
